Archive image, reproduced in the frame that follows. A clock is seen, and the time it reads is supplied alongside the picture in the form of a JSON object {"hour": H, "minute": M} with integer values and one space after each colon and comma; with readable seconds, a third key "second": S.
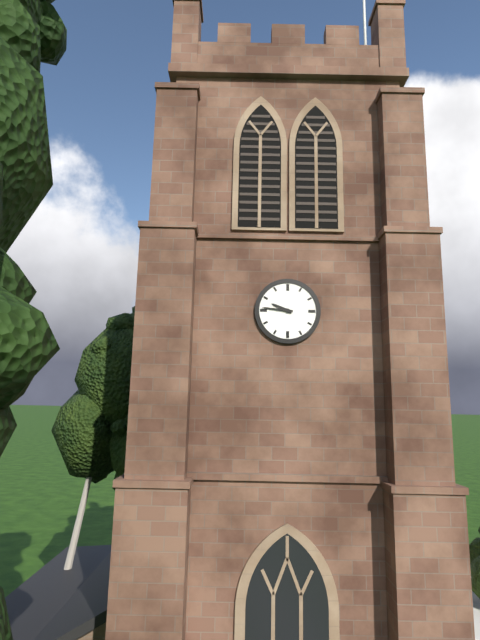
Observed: {"hour": 9, "minute": 46}
